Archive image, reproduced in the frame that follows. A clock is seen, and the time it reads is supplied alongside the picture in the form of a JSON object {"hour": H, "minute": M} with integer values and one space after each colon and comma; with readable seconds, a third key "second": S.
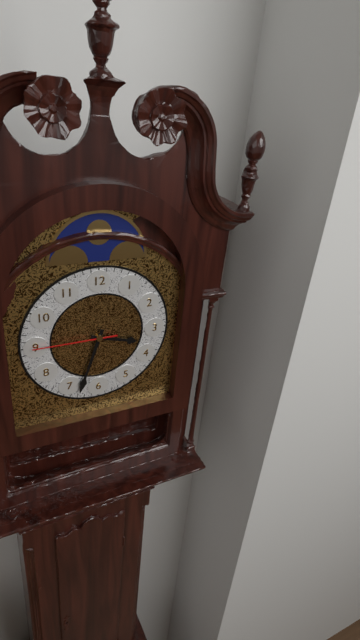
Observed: {"hour": 3, "minute": 33, "second": 45}
